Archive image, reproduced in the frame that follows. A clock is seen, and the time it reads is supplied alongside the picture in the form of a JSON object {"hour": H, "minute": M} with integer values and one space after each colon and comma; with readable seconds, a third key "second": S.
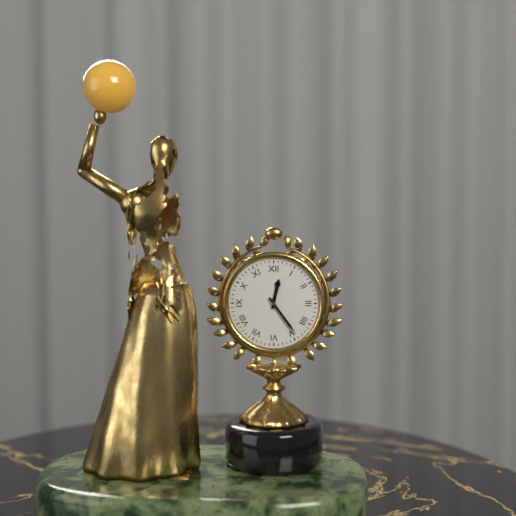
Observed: {"hour": 12, "minute": 24}
